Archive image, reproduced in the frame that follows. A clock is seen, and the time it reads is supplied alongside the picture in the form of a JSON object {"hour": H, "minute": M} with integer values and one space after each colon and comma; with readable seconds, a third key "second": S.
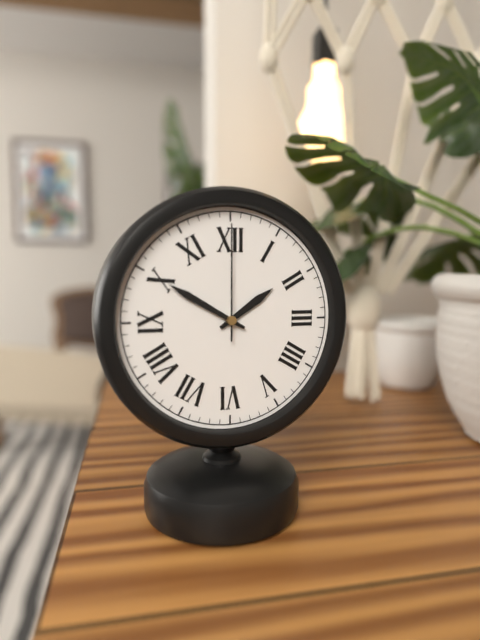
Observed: {"hour": 1, "minute": 50, "second": 0}
